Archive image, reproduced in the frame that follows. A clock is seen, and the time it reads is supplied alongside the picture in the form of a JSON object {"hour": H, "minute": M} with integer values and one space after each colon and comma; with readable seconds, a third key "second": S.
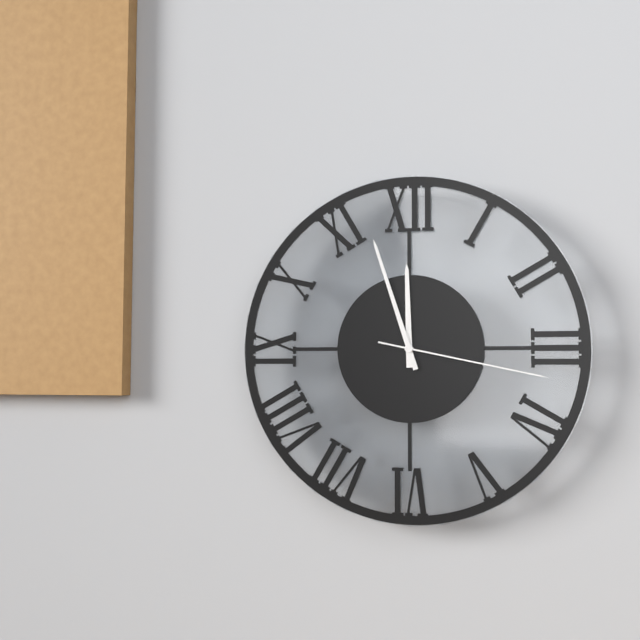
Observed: {"hour": 11, "minute": 57, "second": 17}
